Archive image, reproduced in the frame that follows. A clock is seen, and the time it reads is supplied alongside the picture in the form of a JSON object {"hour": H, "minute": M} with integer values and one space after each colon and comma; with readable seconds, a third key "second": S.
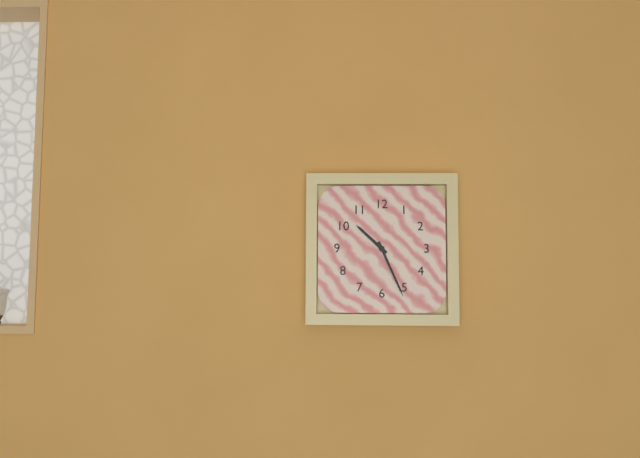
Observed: {"hour": 10, "minute": 26}
